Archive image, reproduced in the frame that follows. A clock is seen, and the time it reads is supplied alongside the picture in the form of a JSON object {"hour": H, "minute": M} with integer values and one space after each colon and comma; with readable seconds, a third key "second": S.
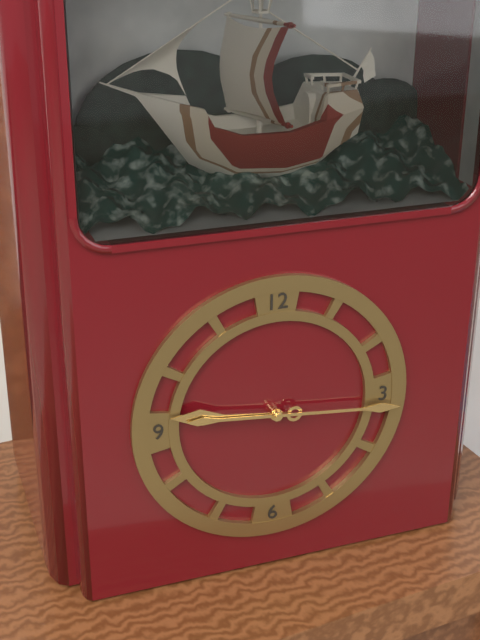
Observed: {"hour": 9, "minute": 16}
